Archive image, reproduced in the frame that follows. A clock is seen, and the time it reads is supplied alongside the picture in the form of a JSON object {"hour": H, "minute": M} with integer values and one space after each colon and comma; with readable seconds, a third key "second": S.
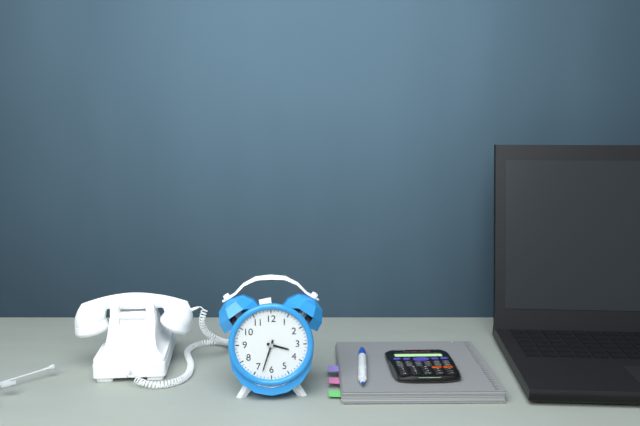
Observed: {"hour": 3, "minute": 33}
